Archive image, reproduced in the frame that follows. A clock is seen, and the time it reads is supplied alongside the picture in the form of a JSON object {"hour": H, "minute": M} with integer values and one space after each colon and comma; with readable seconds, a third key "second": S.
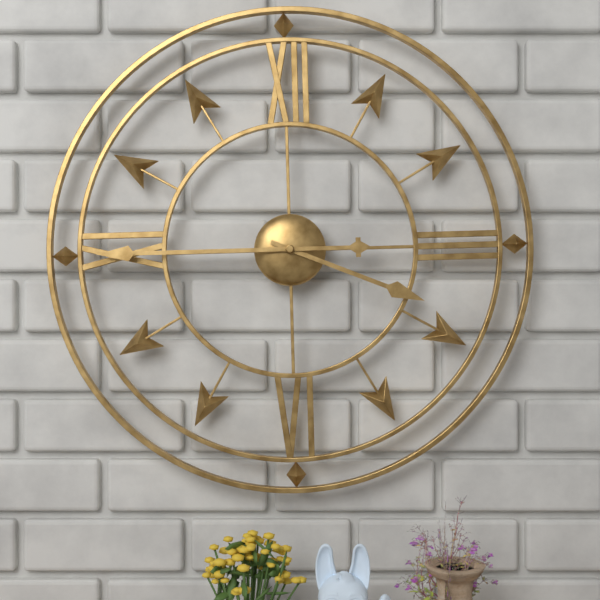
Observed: {"hour": 3, "minute": 45}
